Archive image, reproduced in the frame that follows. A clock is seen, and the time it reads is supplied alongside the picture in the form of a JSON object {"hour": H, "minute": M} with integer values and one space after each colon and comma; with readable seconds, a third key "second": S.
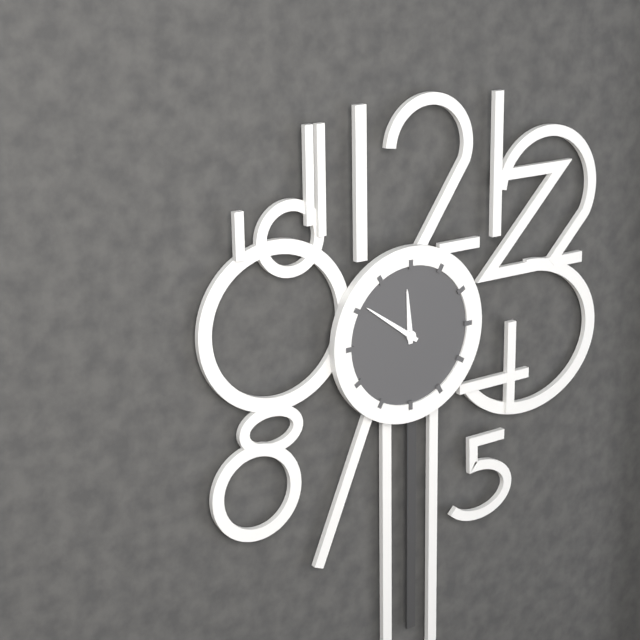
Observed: {"hour": 11, "minute": 51}
